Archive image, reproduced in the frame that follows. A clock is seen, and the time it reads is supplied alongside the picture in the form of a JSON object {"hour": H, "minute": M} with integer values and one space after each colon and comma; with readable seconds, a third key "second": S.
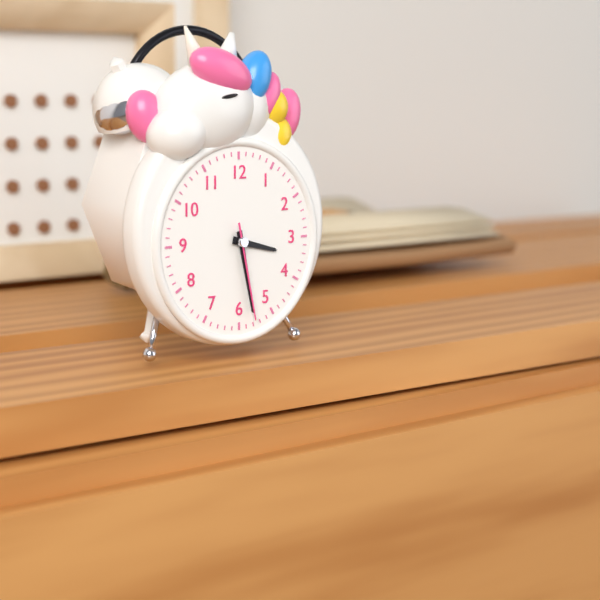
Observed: {"hour": 3, "minute": 28, "second": 28}
